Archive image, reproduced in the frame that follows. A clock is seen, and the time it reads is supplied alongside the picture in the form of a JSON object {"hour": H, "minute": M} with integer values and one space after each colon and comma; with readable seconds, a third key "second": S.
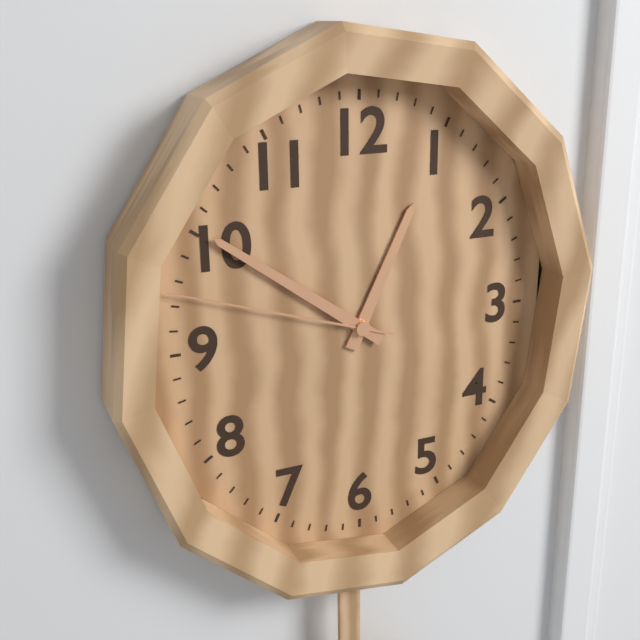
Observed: {"hour": 12, "minute": 51, "second": 48}
